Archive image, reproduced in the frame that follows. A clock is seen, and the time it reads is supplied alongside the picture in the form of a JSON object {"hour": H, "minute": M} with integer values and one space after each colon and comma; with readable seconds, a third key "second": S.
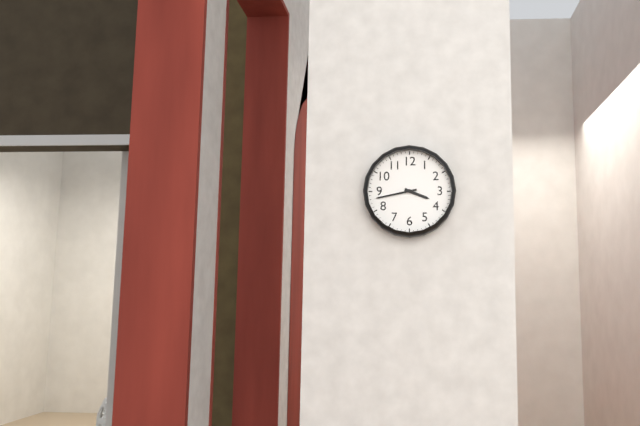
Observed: {"hour": 3, "minute": 43}
